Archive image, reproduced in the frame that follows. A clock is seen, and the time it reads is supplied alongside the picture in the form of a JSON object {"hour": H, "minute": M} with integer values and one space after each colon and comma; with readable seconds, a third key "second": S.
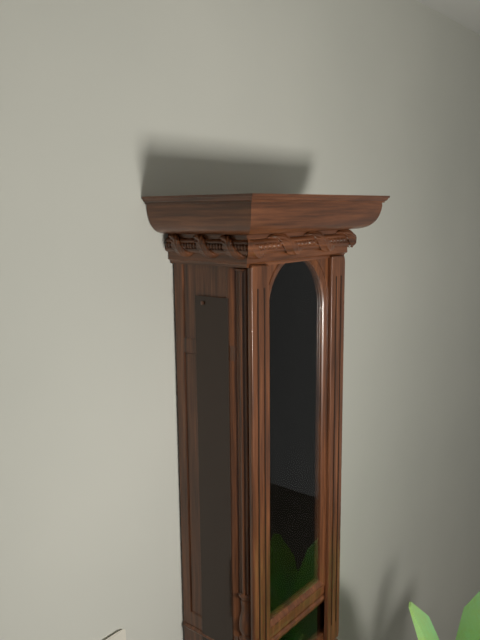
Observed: {"hour": 6, "minute": 2}
